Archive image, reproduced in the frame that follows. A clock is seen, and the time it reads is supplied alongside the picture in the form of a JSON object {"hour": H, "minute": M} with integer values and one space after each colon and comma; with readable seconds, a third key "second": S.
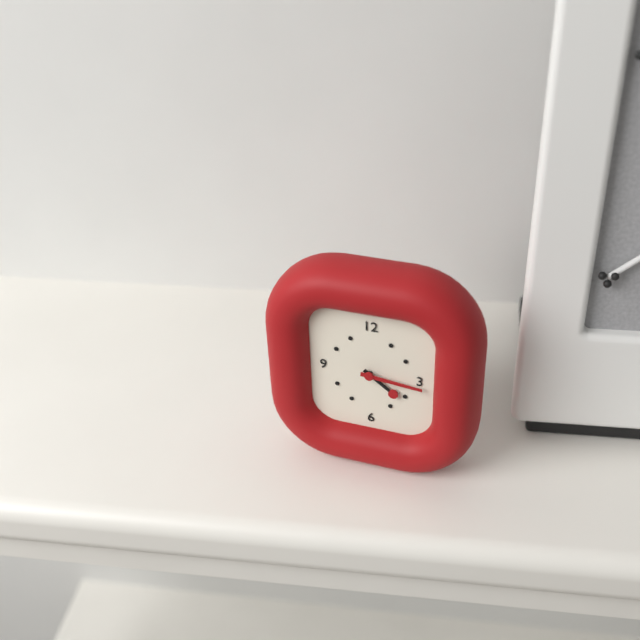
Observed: {"hour": 4, "minute": 16}
